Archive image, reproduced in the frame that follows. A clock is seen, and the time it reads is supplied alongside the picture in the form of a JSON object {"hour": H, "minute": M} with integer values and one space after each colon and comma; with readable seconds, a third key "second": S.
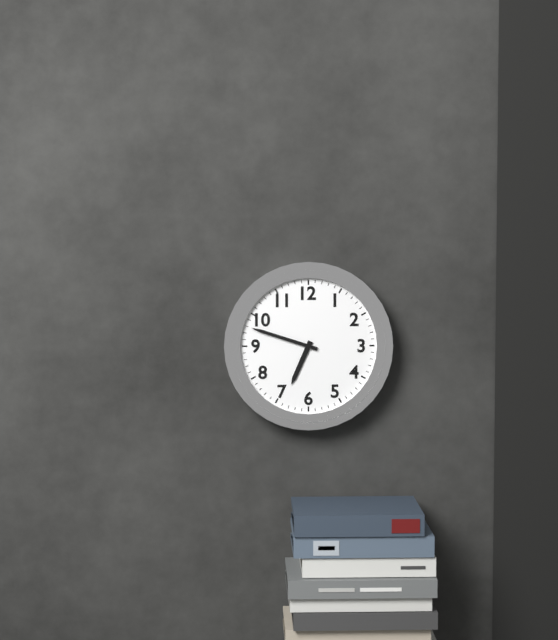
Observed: {"hour": 6, "minute": 48}
